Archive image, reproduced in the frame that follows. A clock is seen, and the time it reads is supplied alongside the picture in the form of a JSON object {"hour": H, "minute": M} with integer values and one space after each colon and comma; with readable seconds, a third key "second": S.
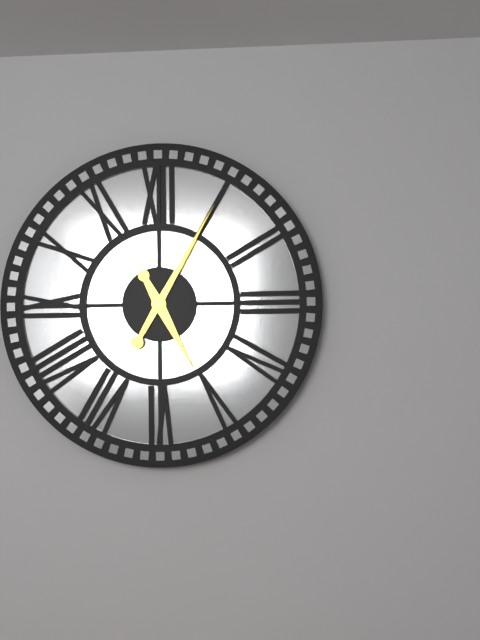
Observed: {"hour": 5, "minute": 5}
